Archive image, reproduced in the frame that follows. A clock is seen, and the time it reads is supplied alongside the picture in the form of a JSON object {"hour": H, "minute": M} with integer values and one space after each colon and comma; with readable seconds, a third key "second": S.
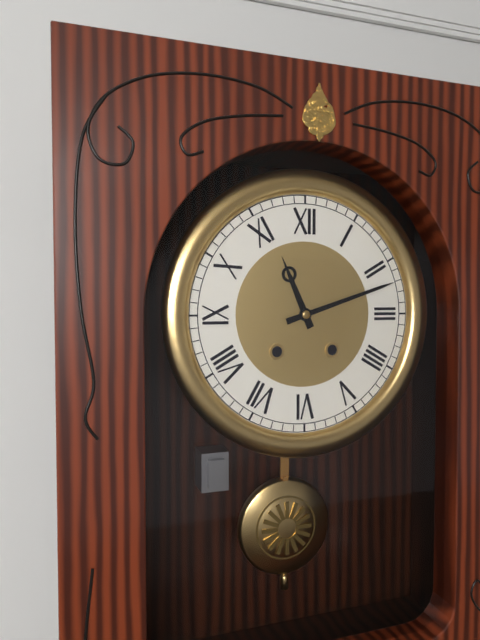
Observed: {"hour": 11, "minute": 12}
